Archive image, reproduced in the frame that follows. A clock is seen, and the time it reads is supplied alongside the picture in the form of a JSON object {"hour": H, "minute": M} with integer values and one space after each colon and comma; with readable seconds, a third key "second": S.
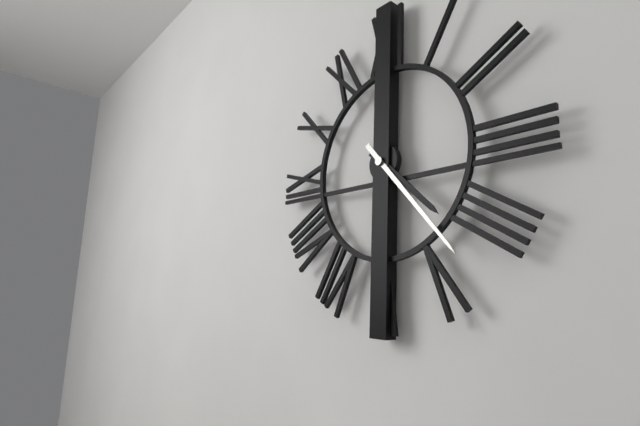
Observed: {"hour": 4, "minute": 23}
